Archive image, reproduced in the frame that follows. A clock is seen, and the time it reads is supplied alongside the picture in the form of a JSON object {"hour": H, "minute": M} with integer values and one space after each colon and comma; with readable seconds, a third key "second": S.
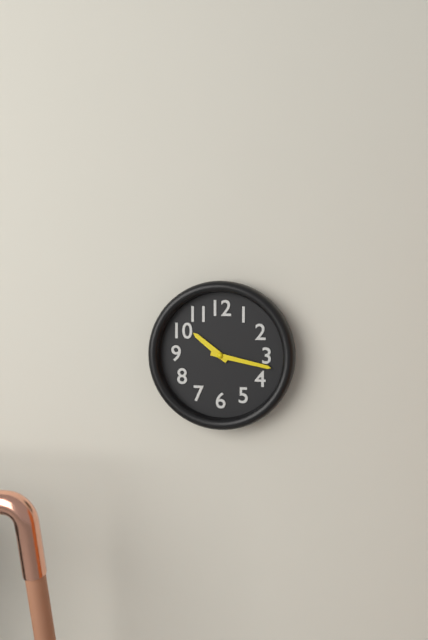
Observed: {"hour": 10, "minute": 17}
